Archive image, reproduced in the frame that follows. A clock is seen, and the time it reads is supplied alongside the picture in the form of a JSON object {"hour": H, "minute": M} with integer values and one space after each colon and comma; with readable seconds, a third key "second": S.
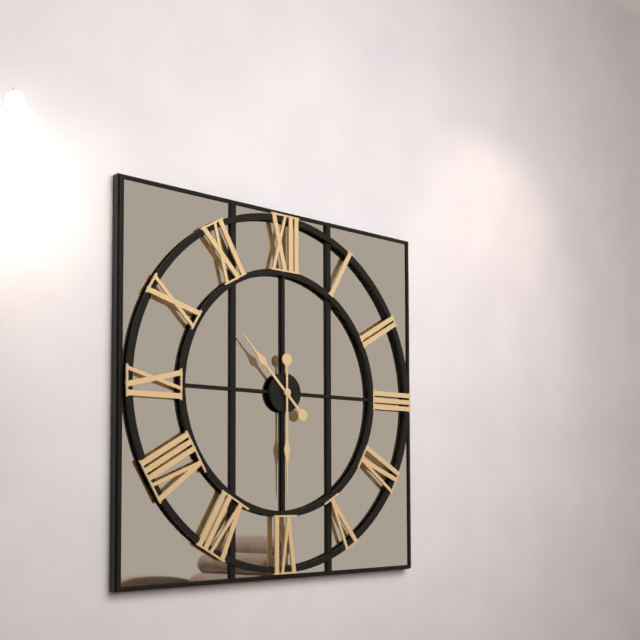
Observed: {"hour": 10, "minute": 30}
